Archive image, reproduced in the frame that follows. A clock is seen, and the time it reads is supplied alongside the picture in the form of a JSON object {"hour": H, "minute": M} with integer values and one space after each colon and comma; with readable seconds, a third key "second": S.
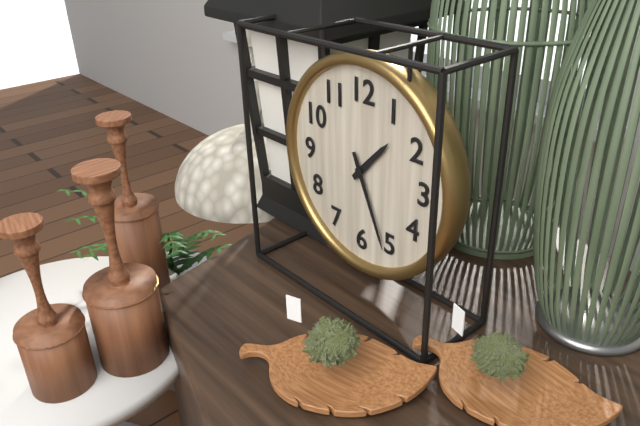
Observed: {"hour": 1, "minute": 26}
